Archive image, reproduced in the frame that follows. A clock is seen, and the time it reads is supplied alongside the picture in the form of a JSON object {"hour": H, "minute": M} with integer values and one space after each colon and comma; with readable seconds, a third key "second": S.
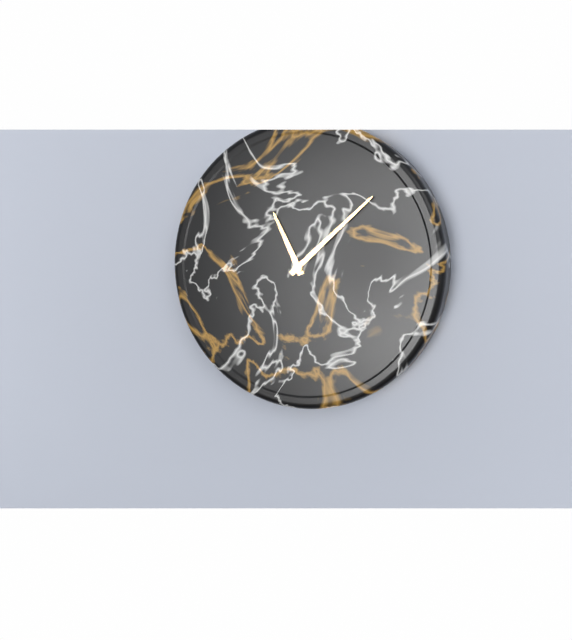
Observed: {"hour": 11, "minute": 8}
